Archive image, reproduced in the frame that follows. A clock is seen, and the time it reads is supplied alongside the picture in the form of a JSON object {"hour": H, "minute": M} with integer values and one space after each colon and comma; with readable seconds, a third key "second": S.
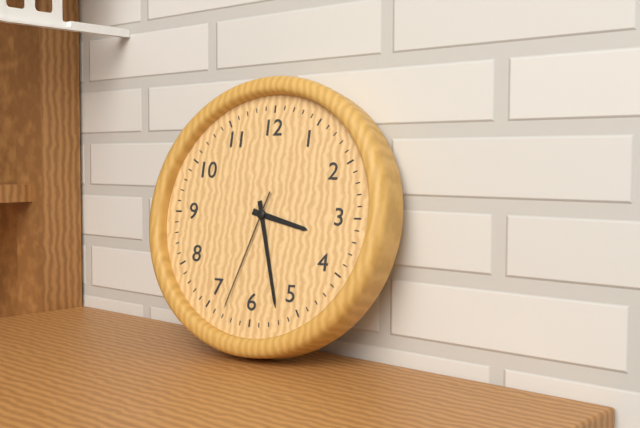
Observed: {"hour": 3, "minute": 27, "second": 33}
